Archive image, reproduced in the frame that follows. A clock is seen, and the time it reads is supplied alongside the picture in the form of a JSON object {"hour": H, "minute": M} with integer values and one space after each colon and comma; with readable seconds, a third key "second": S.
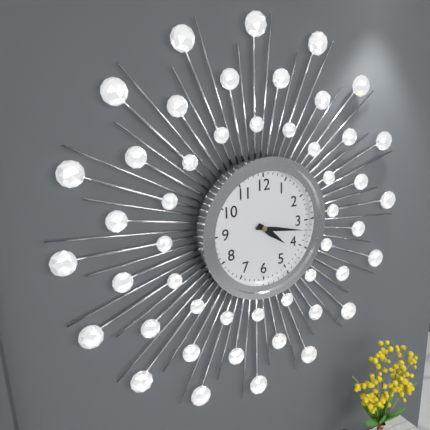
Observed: {"hour": 4, "minute": 17}
